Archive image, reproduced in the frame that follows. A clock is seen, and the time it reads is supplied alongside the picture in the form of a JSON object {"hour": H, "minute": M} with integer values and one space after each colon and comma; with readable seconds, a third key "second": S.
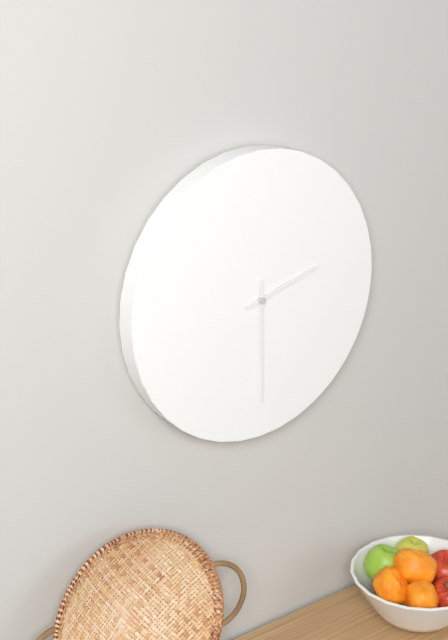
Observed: {"hour": 2, "minute": 30}
